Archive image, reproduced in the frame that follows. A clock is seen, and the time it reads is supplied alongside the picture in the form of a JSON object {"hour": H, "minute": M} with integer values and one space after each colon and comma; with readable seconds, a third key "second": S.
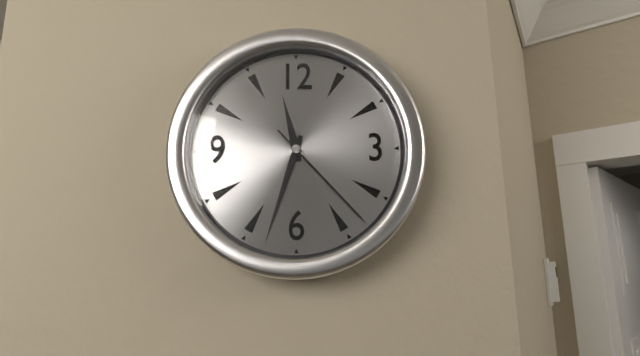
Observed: {"hour": 11, "minute": 33, "second": 23}
